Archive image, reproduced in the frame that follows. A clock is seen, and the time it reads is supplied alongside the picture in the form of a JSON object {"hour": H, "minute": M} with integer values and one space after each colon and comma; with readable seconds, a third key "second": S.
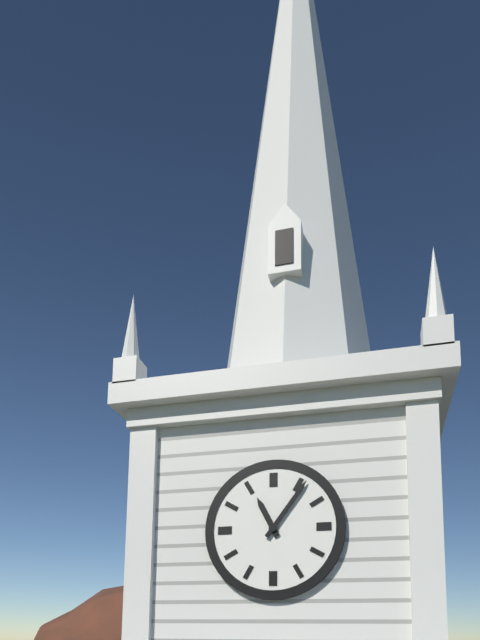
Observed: {"hour": 11, "minute": 6}
